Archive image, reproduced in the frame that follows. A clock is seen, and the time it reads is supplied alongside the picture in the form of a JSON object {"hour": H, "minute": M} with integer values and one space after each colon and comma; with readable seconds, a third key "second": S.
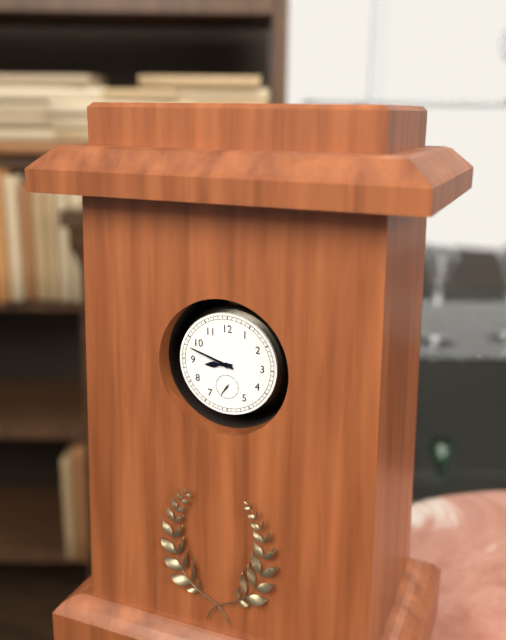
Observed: {"hour": 8, "minute": 48}
